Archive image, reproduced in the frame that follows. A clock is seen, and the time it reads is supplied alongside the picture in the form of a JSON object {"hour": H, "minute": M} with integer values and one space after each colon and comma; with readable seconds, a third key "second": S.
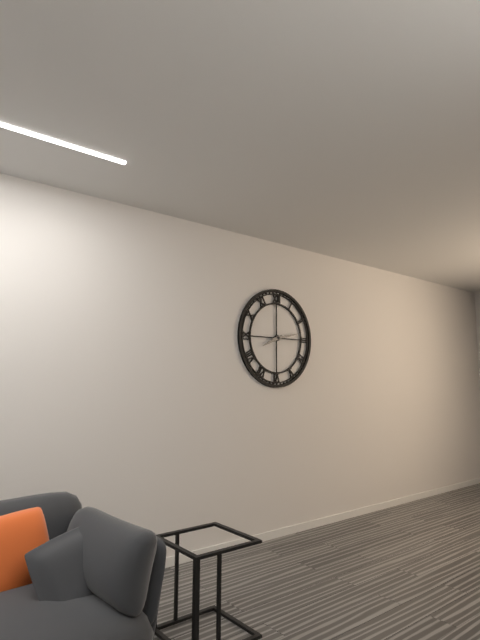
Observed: {"hour": 8, "minute": 13}
